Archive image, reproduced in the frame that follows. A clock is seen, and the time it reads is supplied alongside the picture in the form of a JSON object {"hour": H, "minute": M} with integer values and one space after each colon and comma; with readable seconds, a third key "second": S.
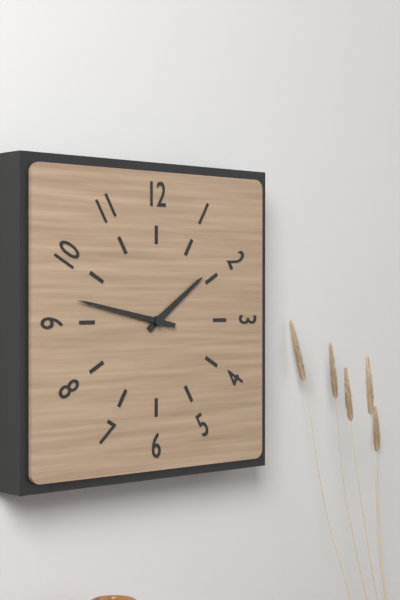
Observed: {"hour": 1, "minute": 47}
